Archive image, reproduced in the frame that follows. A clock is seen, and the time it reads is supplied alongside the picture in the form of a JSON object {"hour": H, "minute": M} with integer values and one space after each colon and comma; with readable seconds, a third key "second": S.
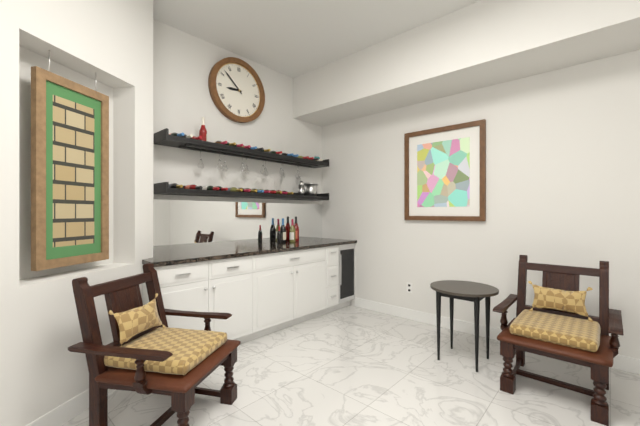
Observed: {"hour": 8, "minute": 52}
